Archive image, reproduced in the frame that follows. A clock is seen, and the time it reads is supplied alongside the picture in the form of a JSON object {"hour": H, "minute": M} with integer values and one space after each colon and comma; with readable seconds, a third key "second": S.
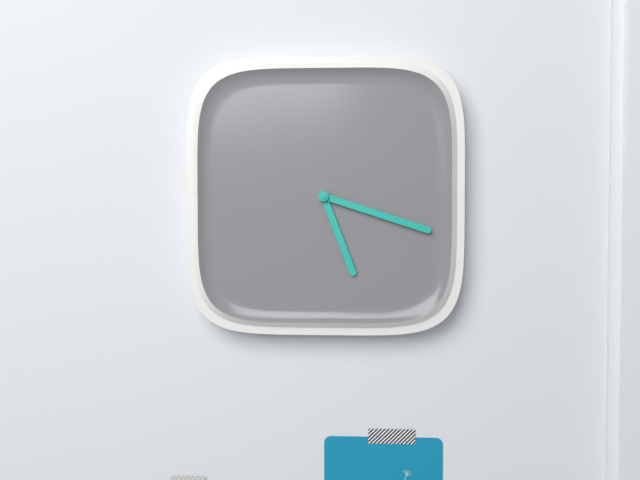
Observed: {"hour": 5, "minute": 18}
